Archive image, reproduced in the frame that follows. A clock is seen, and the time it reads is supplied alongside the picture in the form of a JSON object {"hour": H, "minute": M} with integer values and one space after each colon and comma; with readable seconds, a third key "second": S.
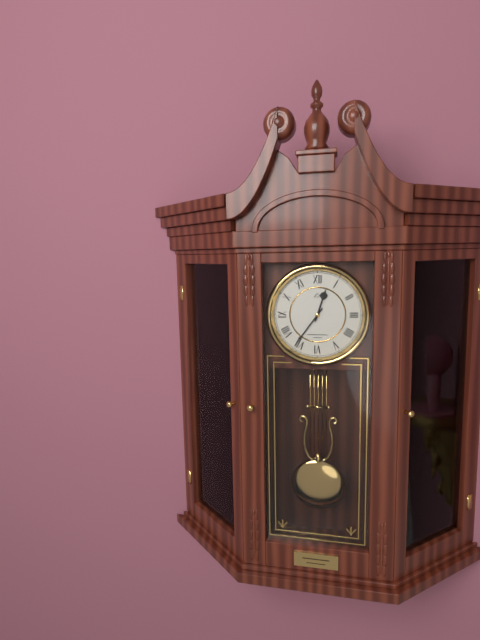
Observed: {"hour": 12, "minute": 36}
